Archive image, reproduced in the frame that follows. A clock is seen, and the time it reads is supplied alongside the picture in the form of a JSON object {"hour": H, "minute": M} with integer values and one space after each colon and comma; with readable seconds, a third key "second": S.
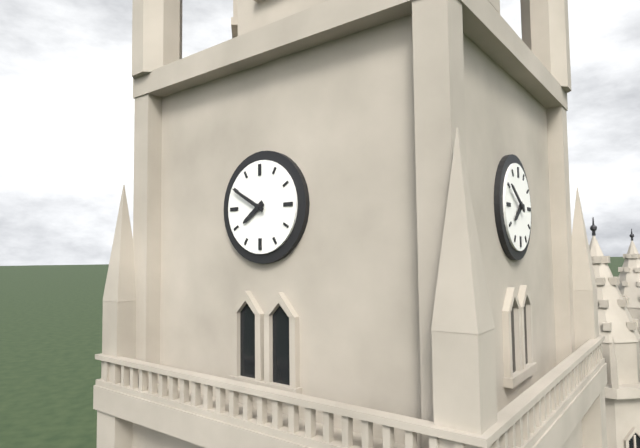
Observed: {"hour": 7, "minute": 50}
